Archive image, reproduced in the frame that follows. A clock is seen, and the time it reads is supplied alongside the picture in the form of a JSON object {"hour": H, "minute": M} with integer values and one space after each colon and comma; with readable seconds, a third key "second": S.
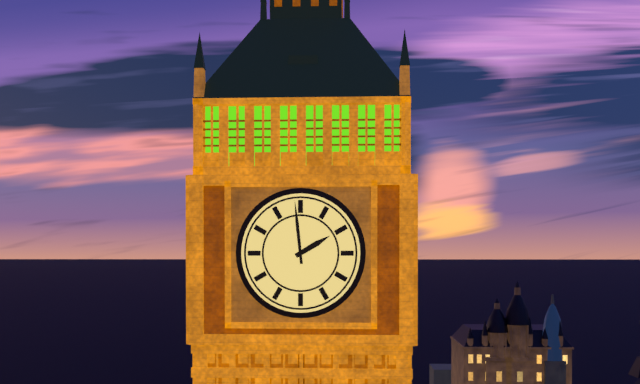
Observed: {"hour": 1, "minute": 59}
